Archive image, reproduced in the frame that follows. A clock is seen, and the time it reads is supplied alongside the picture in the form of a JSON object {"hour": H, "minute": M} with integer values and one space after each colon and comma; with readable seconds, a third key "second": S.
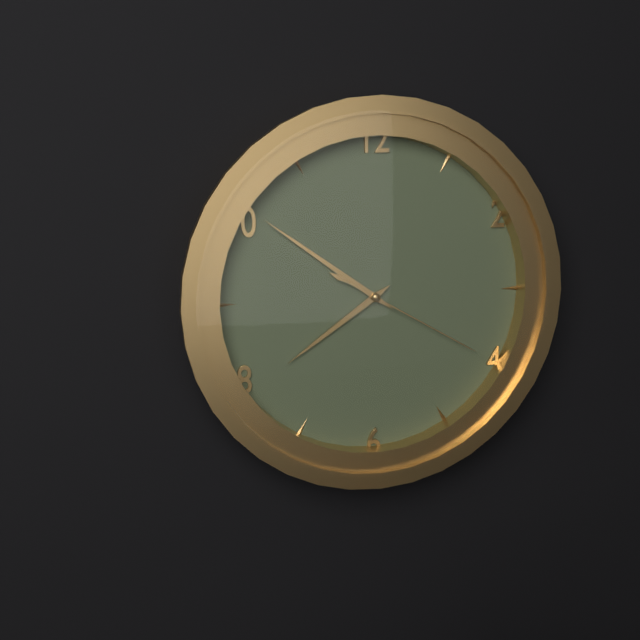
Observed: {"hour": 7, "minute": 51, "second": 20}
